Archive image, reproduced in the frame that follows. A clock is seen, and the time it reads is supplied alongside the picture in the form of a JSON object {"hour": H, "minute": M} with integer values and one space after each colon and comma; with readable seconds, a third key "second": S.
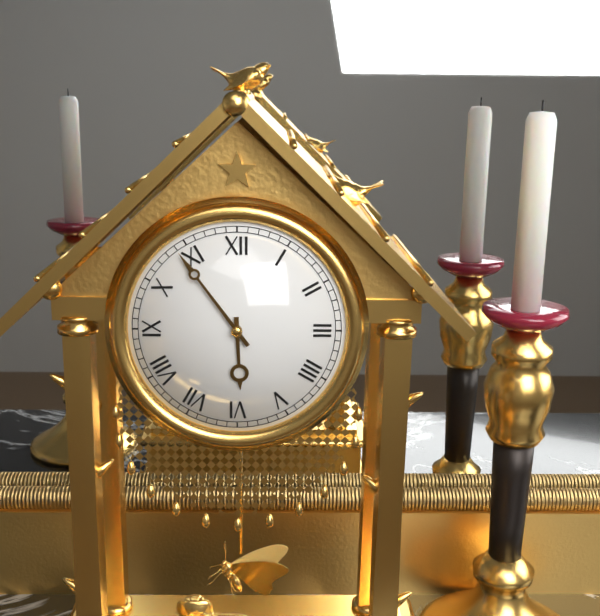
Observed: {"hour": 5, "minute": 54}
